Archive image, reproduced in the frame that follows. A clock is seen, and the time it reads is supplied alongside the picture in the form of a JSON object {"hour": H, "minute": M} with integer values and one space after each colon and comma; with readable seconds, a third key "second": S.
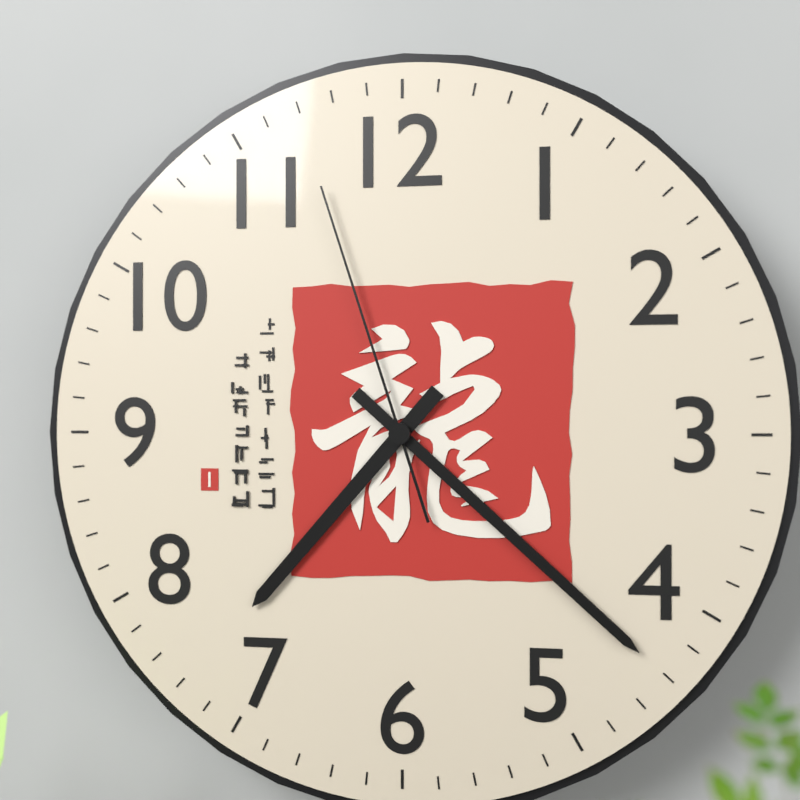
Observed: {"hour": 7, "minute": 22, "second": 57}
